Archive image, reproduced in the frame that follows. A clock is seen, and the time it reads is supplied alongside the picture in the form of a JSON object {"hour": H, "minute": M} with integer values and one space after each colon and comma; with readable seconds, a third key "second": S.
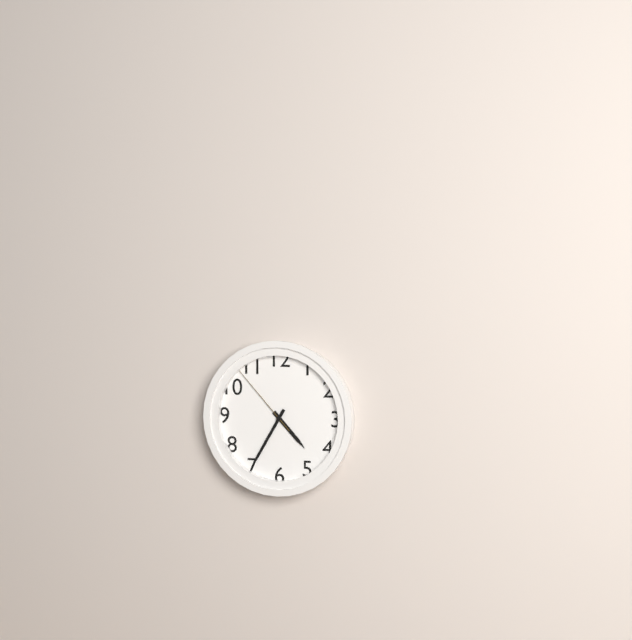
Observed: {"hour": 4, "minute": 35, "second": 53}
